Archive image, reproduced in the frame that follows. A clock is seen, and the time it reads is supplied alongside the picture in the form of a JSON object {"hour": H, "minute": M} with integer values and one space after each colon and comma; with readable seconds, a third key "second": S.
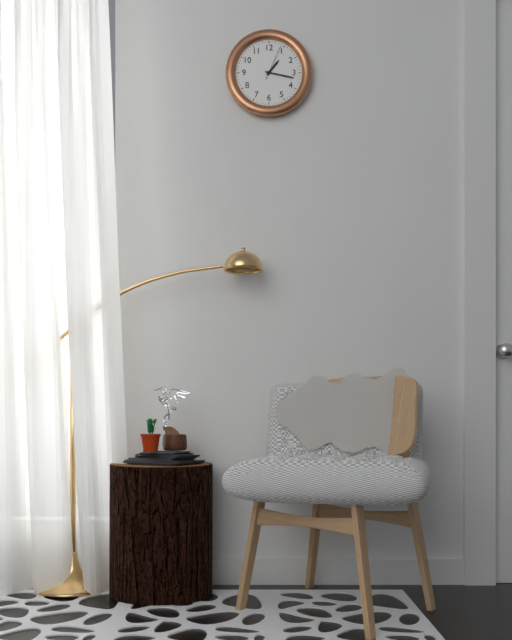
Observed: {"hour": 1, "minute": 17}
